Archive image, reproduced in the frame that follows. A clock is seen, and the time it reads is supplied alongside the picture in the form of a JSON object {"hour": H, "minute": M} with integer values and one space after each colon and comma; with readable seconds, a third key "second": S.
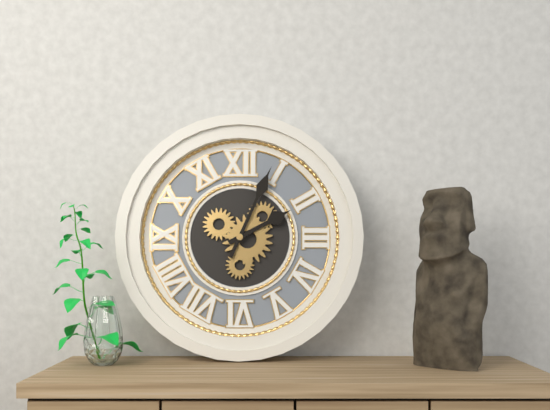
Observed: {"hour": 2, "minute": 4}
